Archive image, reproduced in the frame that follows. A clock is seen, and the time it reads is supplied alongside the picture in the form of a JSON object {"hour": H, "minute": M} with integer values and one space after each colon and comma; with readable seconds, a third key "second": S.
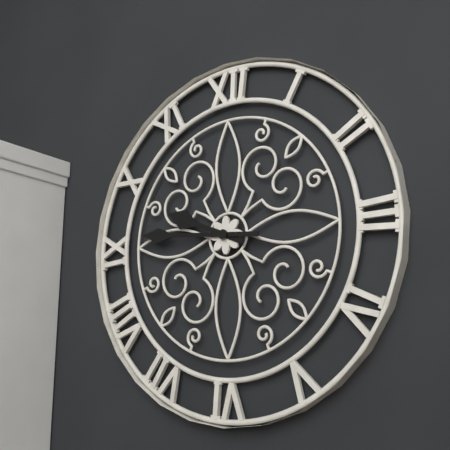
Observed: {"hour": 9, "minute": 46}
